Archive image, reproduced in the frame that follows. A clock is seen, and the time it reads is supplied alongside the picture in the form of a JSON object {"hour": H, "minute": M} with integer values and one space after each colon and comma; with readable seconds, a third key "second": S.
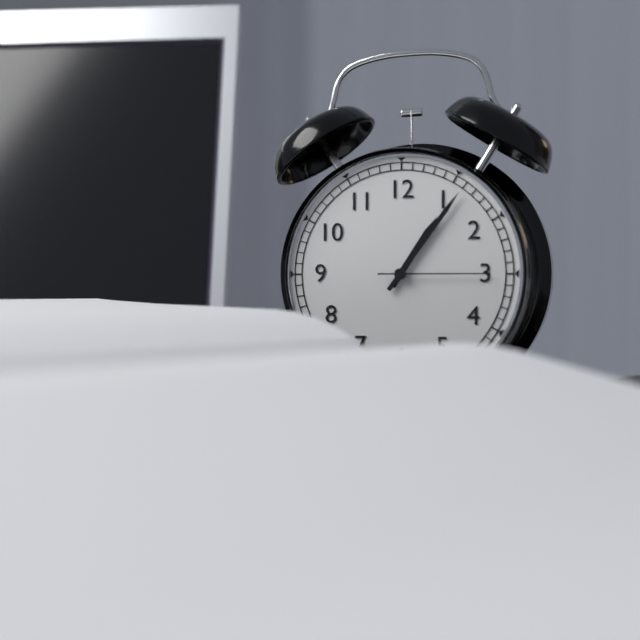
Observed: {"hour": 1, "minute": 6, "second": 15}
